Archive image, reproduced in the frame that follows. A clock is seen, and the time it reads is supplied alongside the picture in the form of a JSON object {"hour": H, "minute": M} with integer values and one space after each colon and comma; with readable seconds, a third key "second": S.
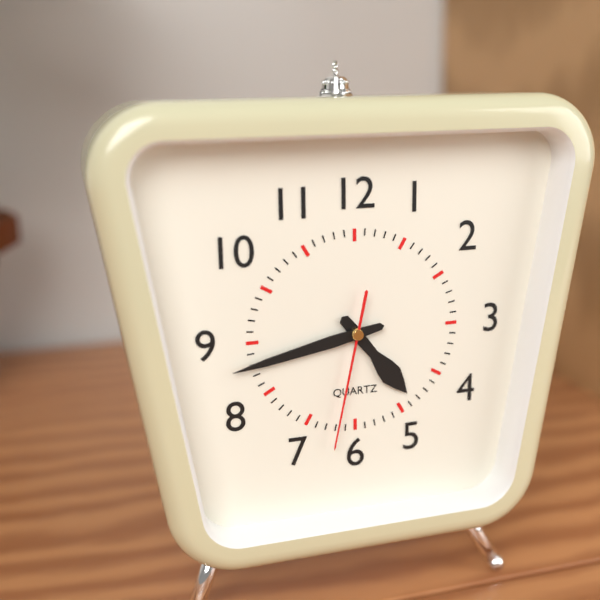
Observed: {"hour": 4, "minute": 43, "second": 32}
